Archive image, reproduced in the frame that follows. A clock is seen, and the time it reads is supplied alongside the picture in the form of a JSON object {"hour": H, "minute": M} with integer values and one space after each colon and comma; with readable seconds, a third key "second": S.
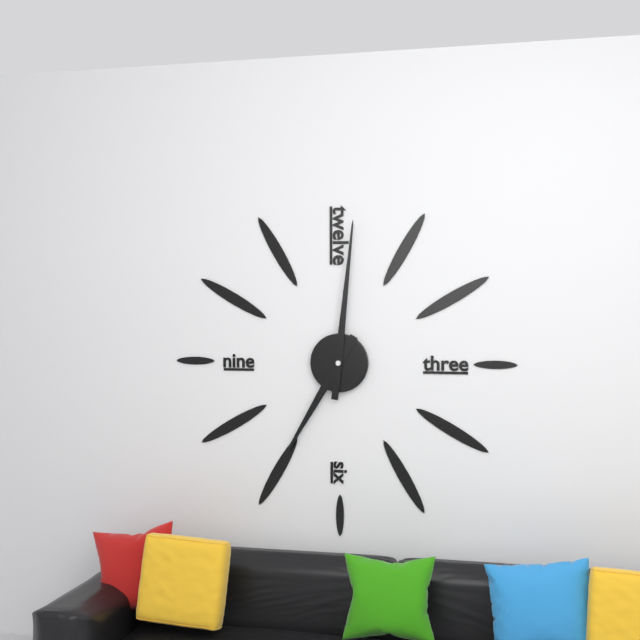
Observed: {"hour": 7, "minute": 1}
